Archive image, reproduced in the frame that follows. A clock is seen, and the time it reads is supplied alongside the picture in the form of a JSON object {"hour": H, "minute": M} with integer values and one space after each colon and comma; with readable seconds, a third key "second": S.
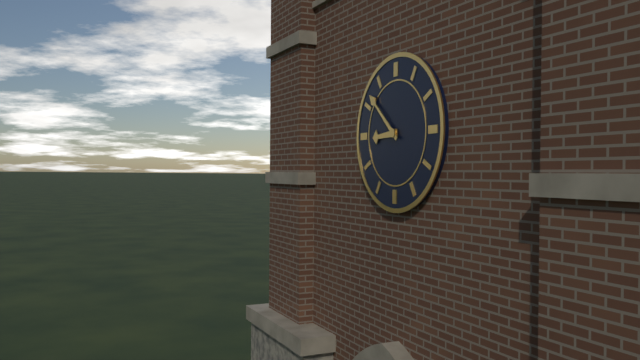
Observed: {"hour": 8, "minute": 52}
